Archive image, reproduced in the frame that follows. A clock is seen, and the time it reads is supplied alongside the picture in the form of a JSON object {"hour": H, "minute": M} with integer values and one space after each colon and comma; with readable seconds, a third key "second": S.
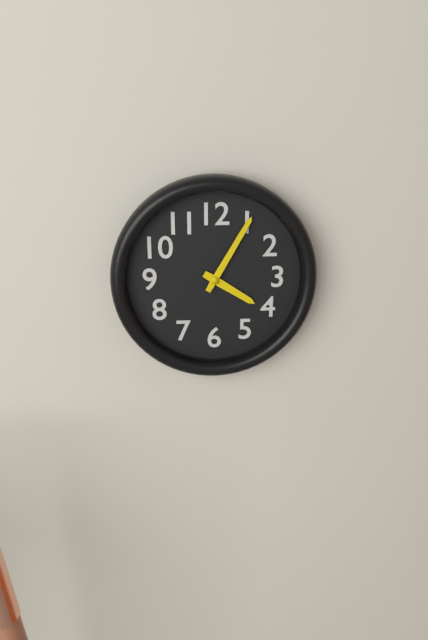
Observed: {"hour": 4, "minute": 5}
